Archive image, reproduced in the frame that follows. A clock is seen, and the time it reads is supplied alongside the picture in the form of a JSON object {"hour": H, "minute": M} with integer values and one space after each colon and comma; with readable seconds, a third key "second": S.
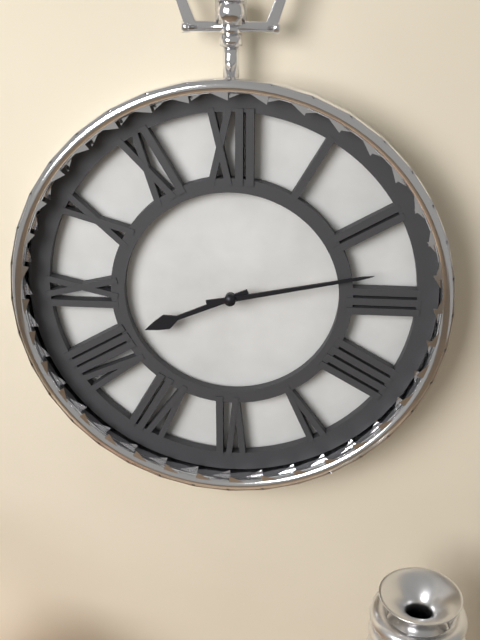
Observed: {"hour": 8, "minute": 13}
